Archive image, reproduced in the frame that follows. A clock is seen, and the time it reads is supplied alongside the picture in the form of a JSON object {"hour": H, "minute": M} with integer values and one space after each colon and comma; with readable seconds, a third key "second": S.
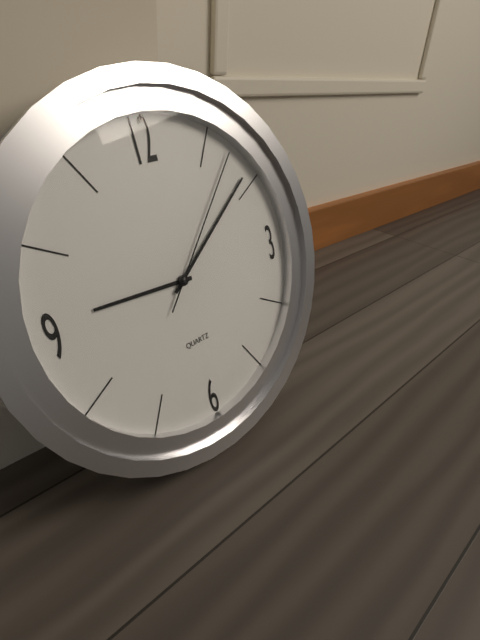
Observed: {"hour": 9, "minute": 9, "second": 7}
